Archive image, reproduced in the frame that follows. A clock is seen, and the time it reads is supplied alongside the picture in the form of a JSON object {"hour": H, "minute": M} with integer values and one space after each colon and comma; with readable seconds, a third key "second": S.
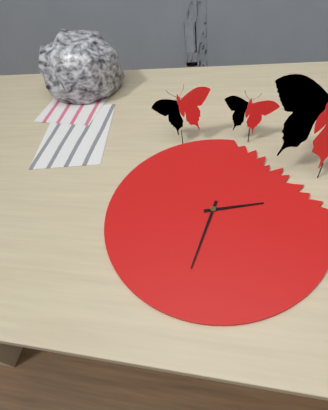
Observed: {"hour": 2, "minute": 32}
